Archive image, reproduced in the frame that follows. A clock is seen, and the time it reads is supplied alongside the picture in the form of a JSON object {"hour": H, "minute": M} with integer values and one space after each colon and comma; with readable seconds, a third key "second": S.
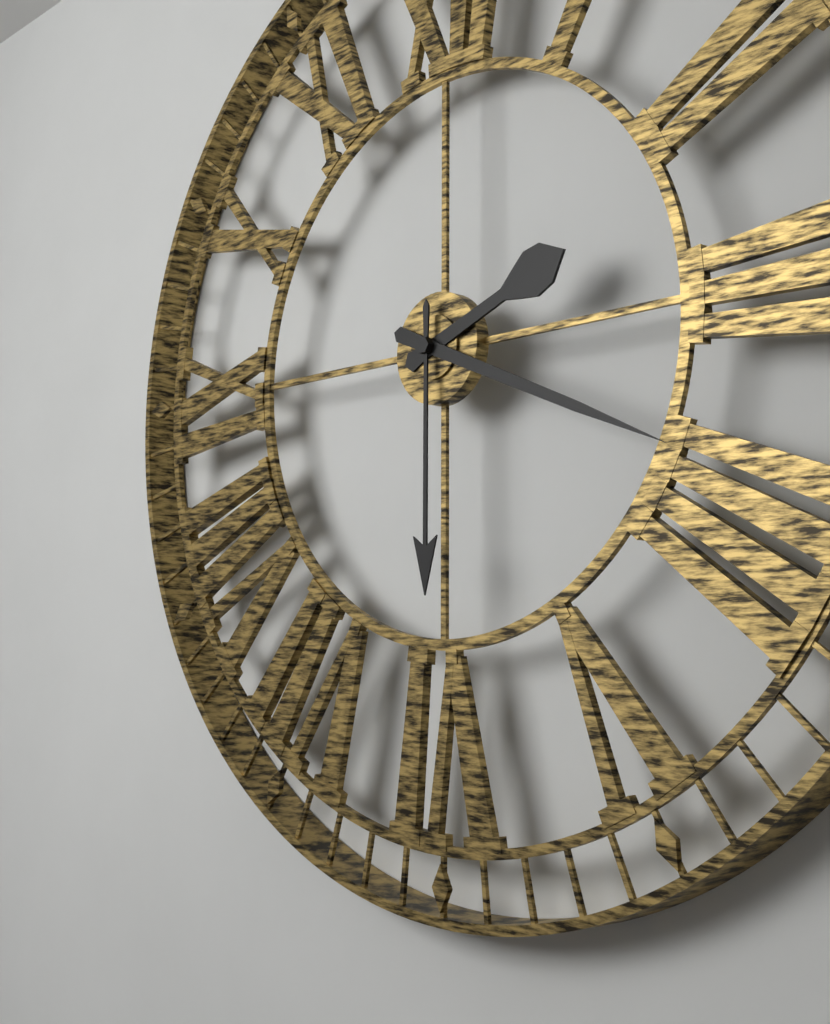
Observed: {"hour": 2, "minute": 19, "second": 30}
